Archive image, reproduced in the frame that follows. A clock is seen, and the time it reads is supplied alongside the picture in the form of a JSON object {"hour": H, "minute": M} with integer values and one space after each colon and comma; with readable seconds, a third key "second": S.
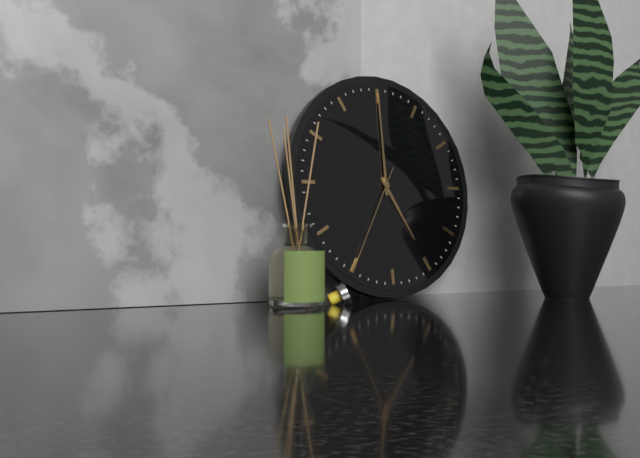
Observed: {"hour": 5, "minute": 0, "second": 35}
